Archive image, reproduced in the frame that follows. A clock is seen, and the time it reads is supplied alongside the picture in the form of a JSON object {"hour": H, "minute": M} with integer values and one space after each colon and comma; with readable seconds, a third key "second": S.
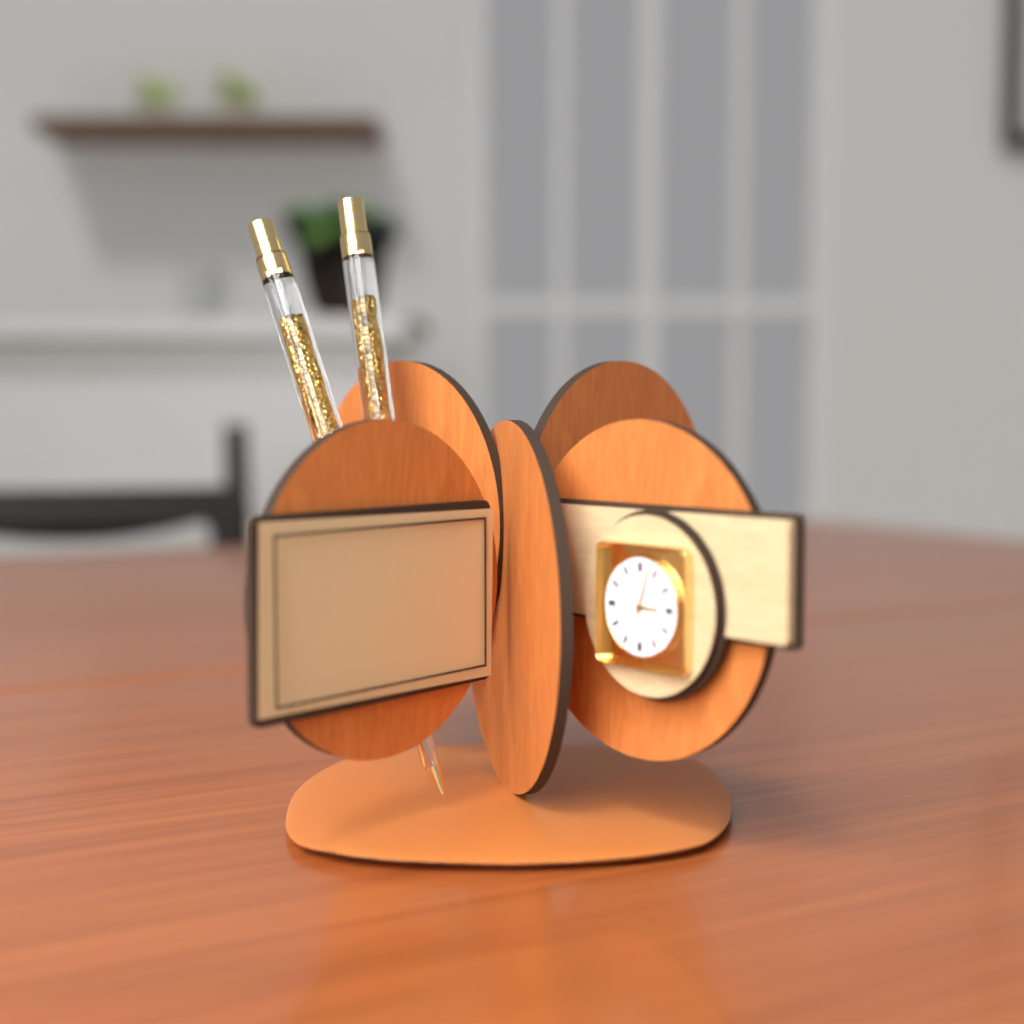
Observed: {"hour": 3, "minute": 3}
